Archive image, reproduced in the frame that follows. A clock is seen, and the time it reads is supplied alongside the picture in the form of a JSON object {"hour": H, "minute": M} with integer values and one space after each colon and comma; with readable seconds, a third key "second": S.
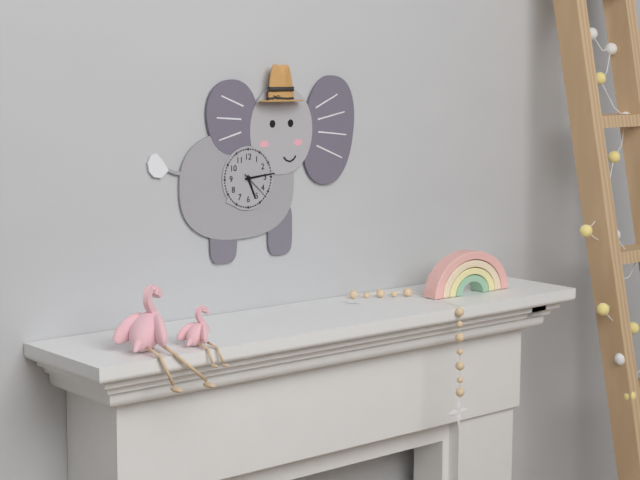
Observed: {"hour": 5, "minute": 14}
